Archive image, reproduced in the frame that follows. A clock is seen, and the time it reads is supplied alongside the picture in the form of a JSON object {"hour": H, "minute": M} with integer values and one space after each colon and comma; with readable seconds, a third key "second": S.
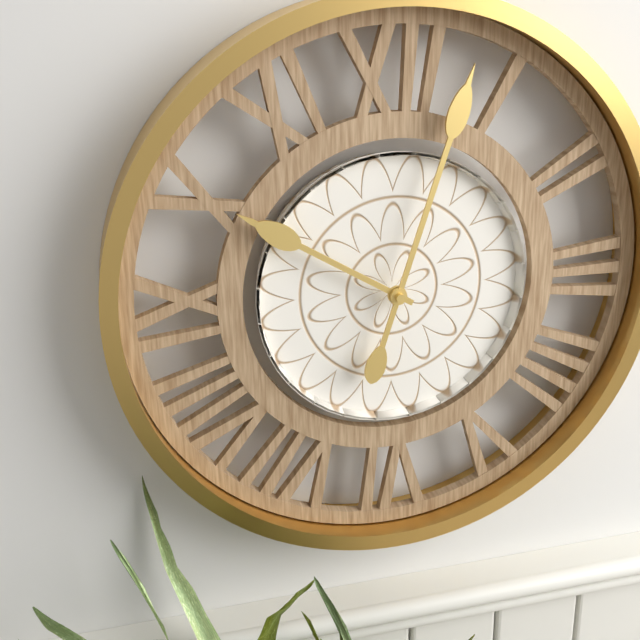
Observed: {"hour": 10, "minute": 3}
